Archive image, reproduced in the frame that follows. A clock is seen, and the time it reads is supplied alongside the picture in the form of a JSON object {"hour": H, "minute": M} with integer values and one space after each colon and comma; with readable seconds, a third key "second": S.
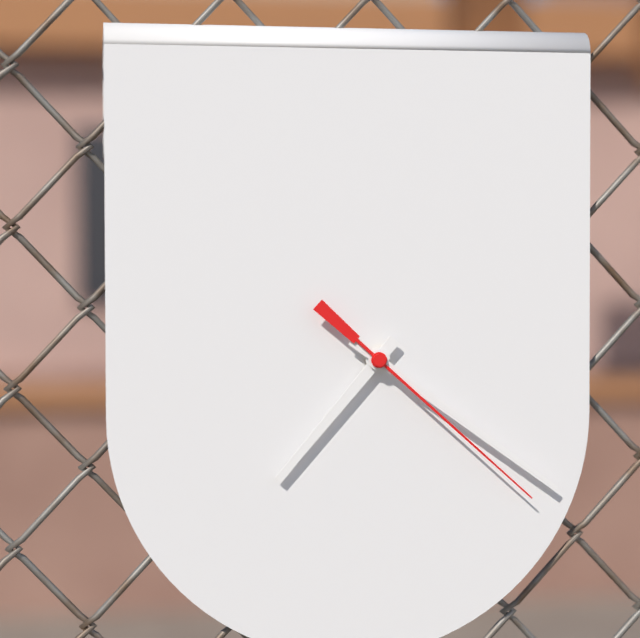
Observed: {"hour": 7, "minute": 21, "second": 22}
